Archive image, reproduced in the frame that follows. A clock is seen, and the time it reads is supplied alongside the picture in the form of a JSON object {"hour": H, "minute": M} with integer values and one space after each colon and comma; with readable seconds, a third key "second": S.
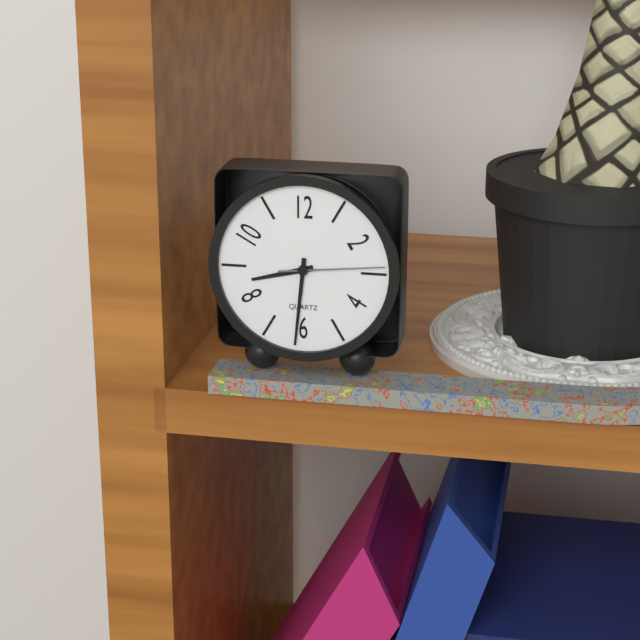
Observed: {"hour": 8, "minute": 31, "second": 14}
